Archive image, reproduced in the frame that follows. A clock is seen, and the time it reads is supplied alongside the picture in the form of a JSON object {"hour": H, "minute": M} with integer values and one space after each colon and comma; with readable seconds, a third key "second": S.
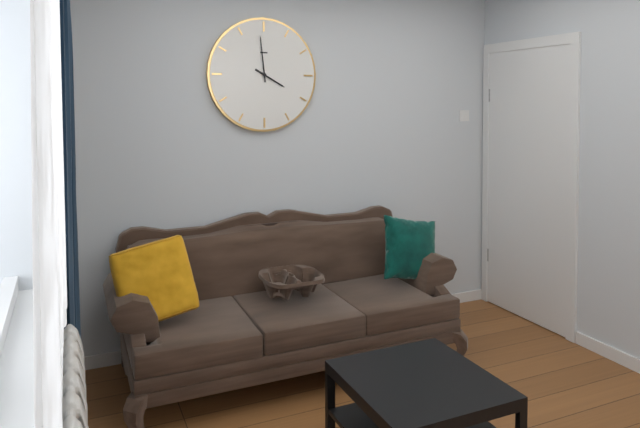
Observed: {"hour": 3, "minute": 59}
